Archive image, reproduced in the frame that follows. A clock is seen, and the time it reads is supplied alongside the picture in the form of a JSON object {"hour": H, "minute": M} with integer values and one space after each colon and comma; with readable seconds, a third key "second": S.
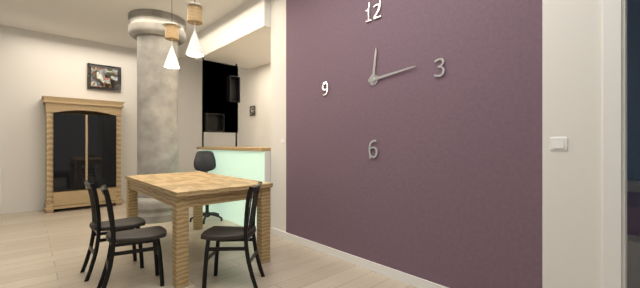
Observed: {"hour": 12, "minute": 14}
